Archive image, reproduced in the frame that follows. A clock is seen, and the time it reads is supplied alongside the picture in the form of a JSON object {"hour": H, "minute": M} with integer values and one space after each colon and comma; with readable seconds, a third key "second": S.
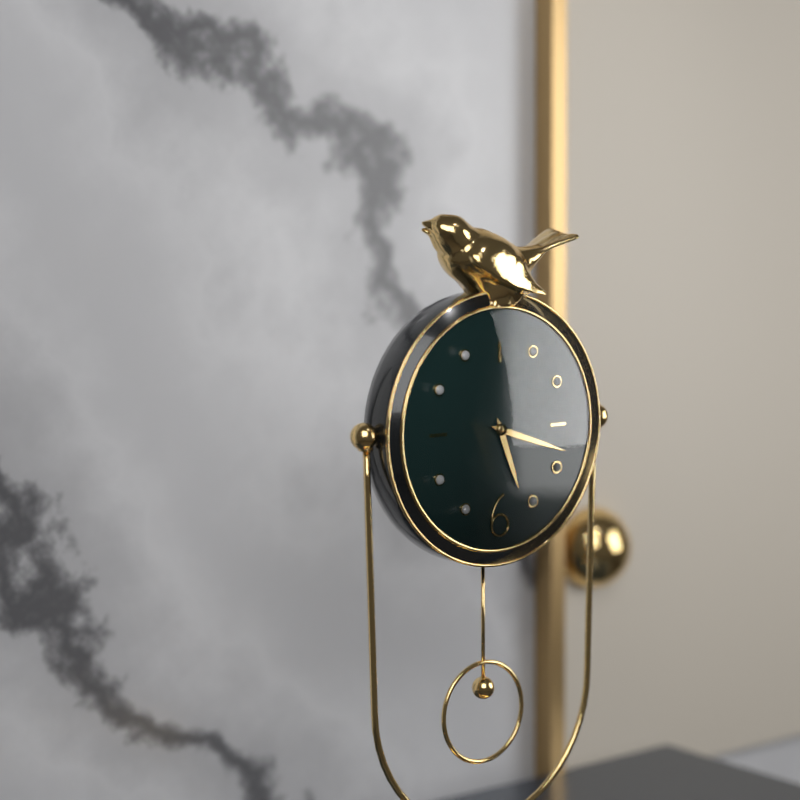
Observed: {"hour": 5, "minute": 18}
